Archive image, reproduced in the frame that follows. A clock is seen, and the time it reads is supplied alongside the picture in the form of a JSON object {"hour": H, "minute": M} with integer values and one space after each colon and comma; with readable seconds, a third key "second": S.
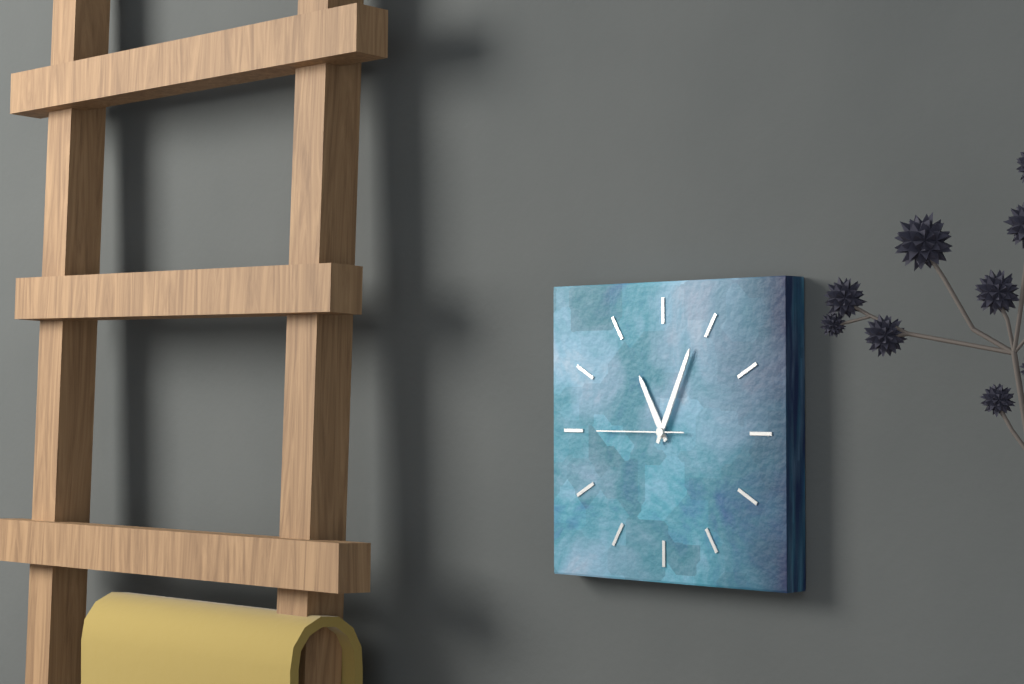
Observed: {"hour": 11, "minute": 4, "second": 45}
